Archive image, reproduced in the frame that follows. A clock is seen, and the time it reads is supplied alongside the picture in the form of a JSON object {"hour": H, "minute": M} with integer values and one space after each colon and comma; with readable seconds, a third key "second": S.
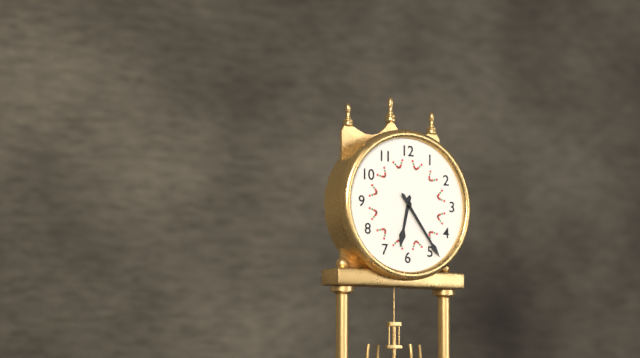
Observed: {"hour": 6, "minute": 24}
